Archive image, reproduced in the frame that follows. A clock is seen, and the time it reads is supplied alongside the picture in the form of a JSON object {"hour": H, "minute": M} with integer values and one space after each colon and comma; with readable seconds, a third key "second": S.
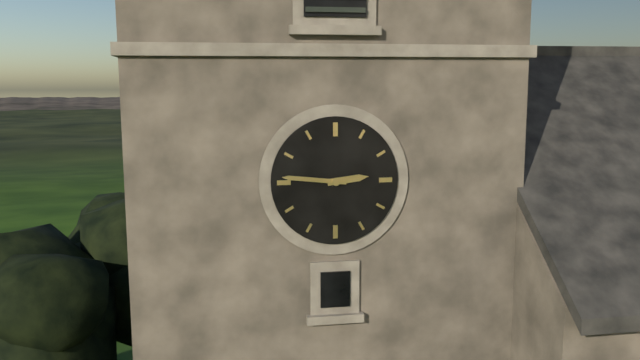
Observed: {"hour": 2, "minute": 46}
